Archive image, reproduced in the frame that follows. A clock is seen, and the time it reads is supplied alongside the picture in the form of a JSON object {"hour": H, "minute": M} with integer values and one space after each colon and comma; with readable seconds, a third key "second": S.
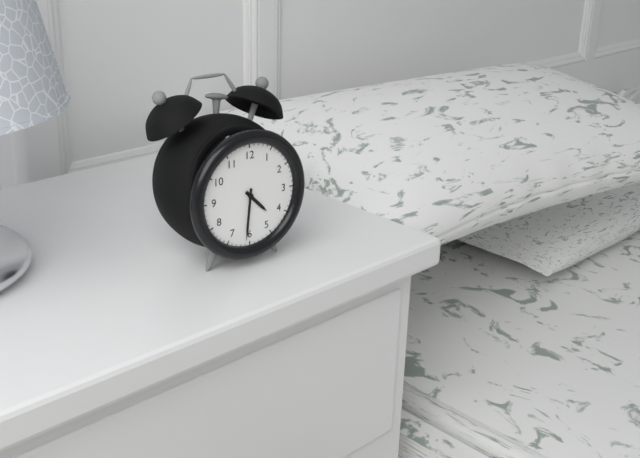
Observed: {"hour": 4, "minute": 31}
